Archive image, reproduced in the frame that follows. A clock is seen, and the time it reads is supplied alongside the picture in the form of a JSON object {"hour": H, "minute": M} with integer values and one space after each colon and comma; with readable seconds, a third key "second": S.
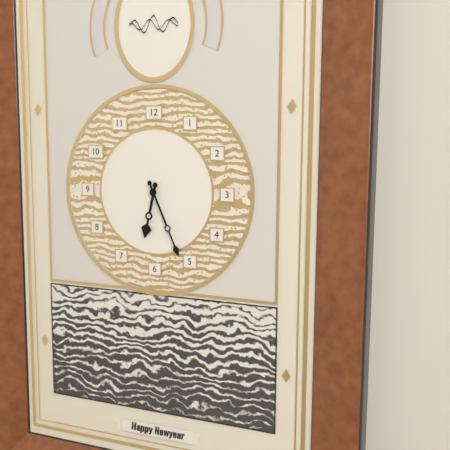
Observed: {"hour": 6, "minute": 26}
